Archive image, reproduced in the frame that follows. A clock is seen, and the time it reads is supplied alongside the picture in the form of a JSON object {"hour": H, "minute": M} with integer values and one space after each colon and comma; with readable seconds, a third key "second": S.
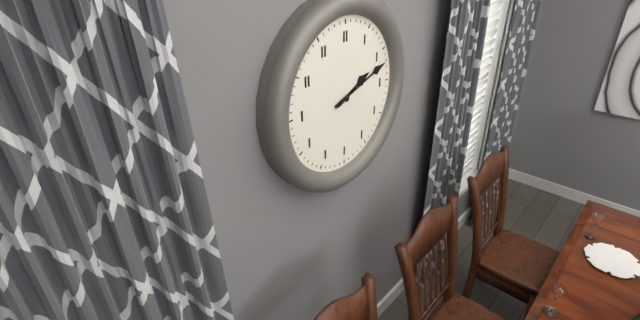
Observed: {"hour": 2, "minute": 12}
